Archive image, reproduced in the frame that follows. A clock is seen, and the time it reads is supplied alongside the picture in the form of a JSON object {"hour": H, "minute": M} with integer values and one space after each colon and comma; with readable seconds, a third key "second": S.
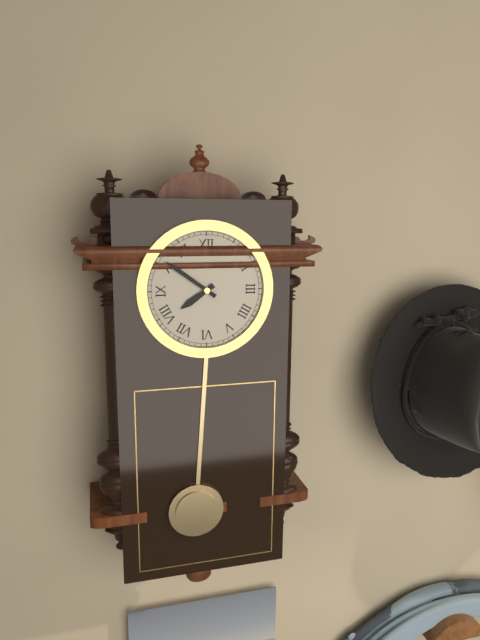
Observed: {"hour": 7, "minute": 51}
